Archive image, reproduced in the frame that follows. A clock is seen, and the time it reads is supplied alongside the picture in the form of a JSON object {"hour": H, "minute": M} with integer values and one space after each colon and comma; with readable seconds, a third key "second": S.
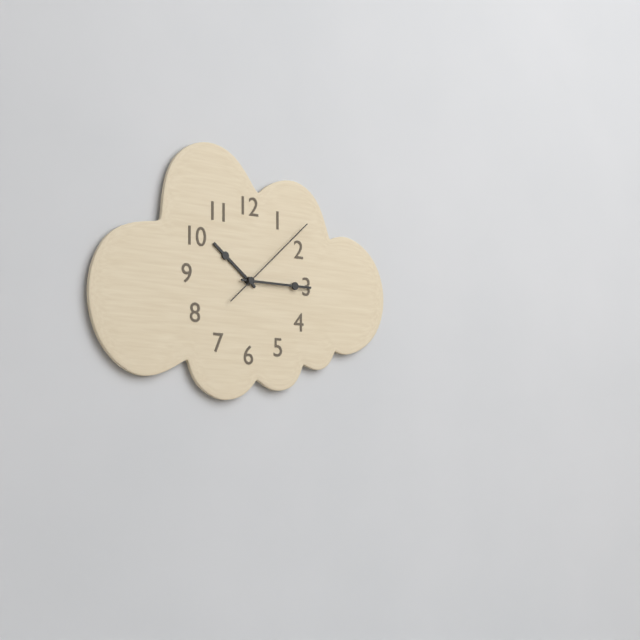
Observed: {"hour": 10, "minute": 15, "second": 8}
